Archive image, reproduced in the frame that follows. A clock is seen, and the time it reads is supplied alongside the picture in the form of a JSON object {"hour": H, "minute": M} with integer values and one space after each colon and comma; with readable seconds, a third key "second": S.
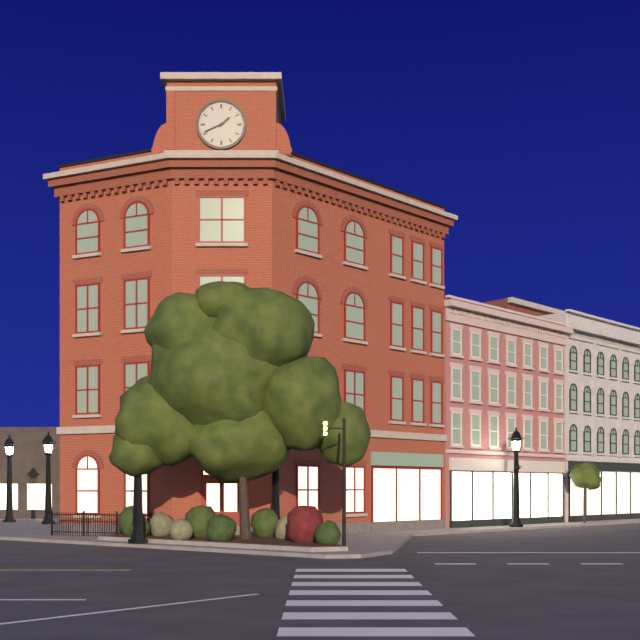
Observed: {"hour": 1, "minute": 41}
